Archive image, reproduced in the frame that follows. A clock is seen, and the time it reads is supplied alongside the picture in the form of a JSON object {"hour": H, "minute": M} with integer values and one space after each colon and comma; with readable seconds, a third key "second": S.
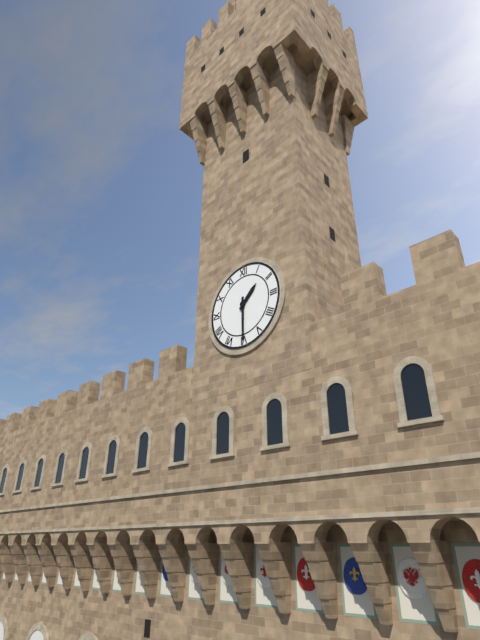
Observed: {"hour": 1, "minute": 30}
